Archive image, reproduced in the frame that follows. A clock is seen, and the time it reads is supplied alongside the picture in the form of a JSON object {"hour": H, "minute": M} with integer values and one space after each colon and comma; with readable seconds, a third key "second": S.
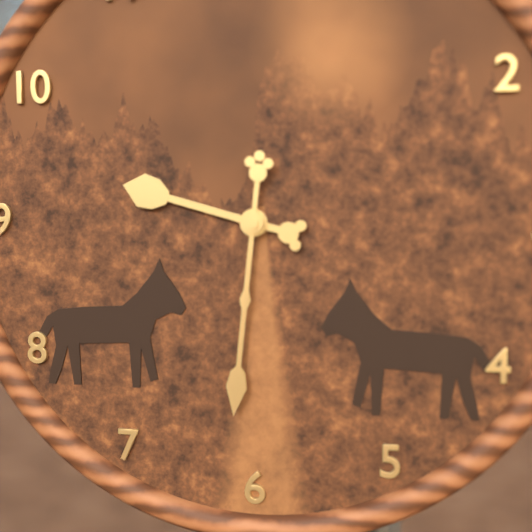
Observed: {"hour": 9, "minute": 31}
